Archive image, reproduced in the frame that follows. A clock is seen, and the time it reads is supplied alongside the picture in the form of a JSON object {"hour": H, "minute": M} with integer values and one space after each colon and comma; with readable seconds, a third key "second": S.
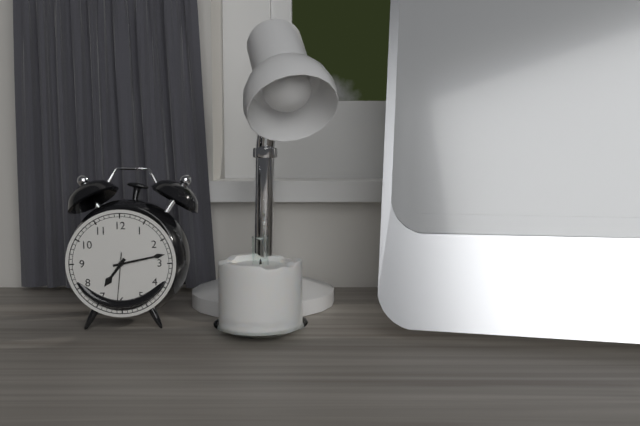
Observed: {"hour": 7, "minute": 13, "second": 31}
